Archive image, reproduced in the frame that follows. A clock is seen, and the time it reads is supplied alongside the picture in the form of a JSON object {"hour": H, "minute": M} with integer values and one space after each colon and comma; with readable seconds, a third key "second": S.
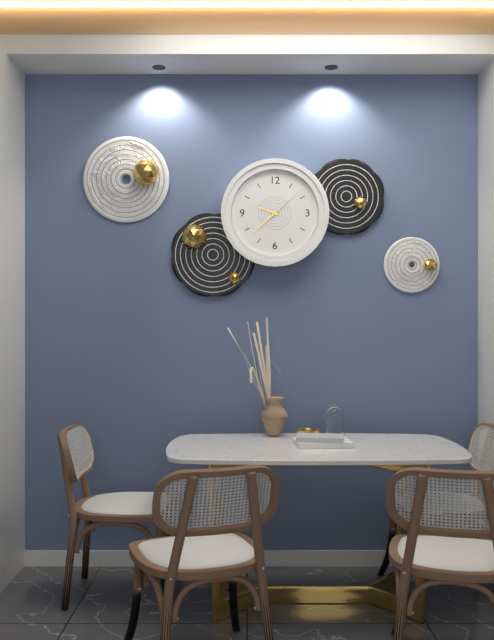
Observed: {"hour": 9, "minute": 38}
